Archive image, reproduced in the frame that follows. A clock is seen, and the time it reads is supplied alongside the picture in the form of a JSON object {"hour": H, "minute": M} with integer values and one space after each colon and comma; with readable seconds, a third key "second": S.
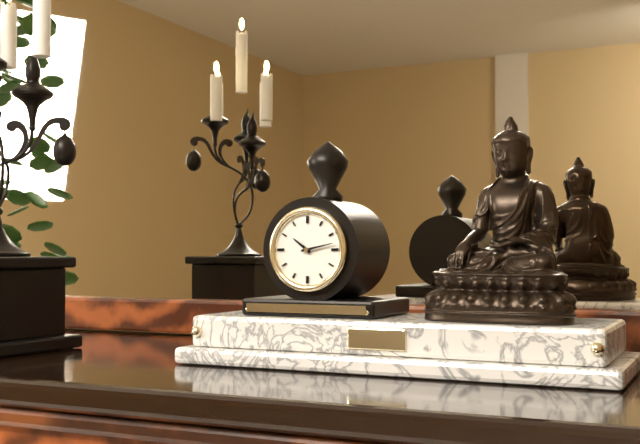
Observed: {"hour": 10, "minute": 13}
